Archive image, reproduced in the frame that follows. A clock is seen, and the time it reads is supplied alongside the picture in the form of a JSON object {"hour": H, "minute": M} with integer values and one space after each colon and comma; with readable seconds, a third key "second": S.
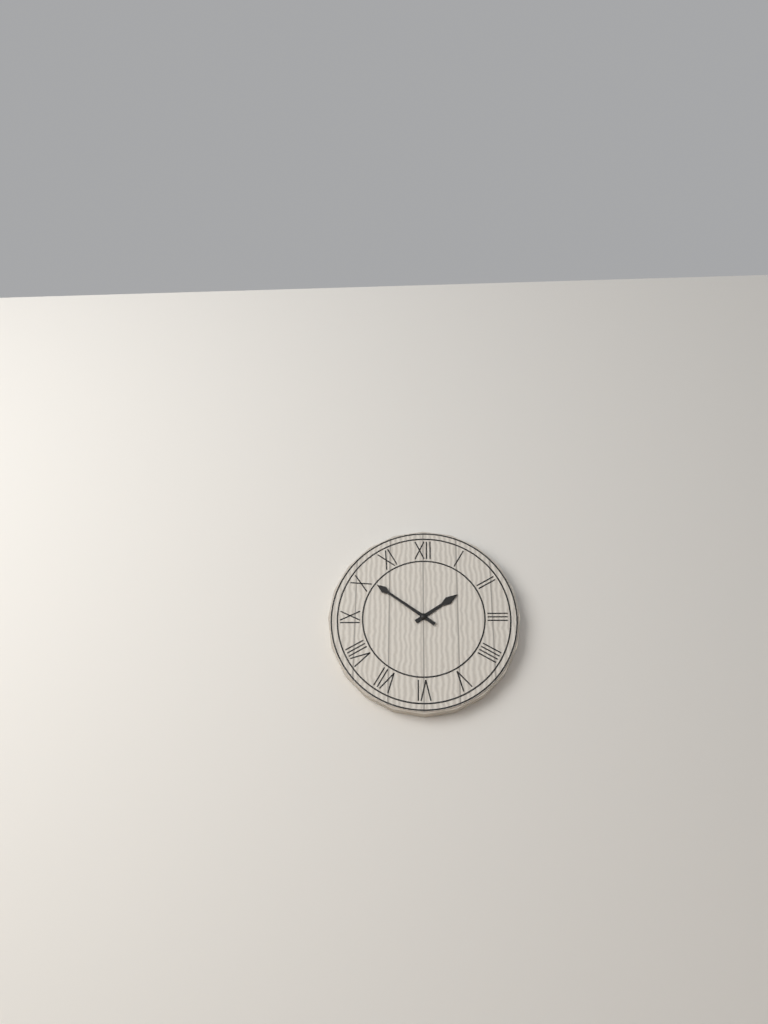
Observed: {"hour": 1, "minute": 51}
